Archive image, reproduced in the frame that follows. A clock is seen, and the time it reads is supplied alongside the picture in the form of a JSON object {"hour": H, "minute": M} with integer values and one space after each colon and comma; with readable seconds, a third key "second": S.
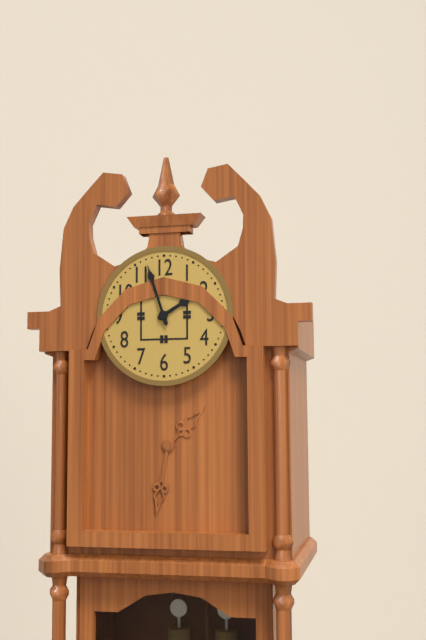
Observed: {"hour": 1, "minute": 57}
